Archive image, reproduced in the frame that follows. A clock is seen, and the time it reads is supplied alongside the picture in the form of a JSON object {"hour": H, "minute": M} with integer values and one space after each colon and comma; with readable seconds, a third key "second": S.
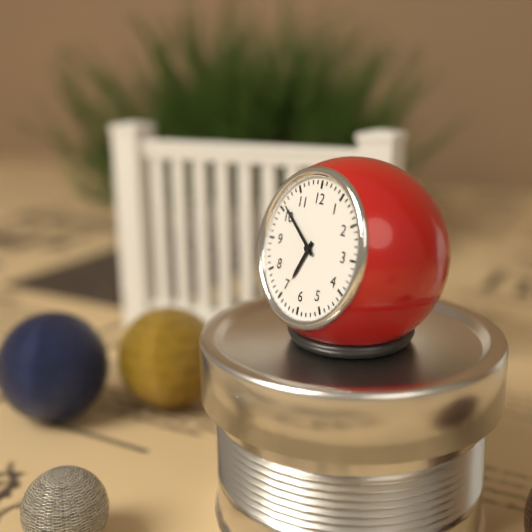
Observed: {"hour": 6, "minute": 51}
